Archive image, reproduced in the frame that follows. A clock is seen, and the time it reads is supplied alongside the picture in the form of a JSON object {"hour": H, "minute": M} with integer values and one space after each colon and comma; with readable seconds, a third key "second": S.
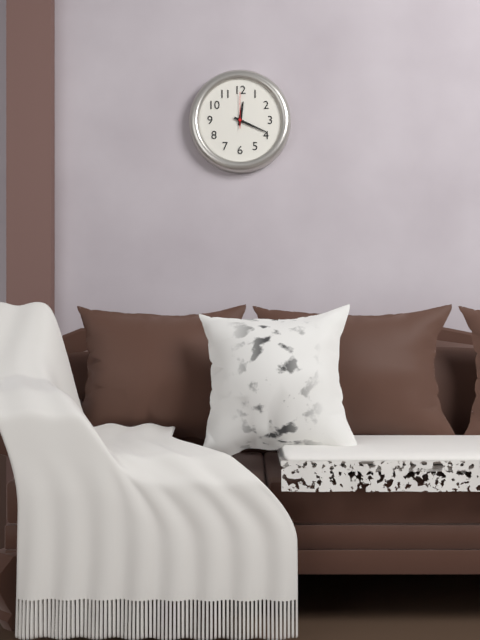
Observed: {"hour": 12, "minute": 19}
